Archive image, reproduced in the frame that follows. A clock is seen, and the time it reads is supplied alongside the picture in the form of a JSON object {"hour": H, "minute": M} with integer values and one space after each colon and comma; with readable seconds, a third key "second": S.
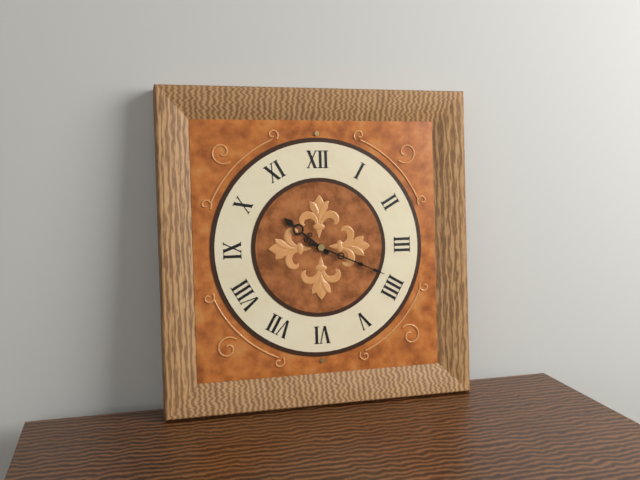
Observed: {"hour": 10, "minute": 19}
